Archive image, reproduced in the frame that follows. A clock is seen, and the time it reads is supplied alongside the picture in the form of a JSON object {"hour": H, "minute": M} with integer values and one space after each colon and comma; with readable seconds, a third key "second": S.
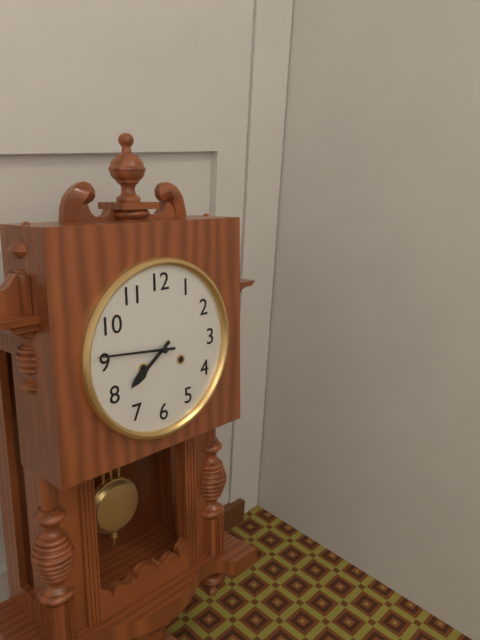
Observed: {"hour": 7, "minute": 46}
